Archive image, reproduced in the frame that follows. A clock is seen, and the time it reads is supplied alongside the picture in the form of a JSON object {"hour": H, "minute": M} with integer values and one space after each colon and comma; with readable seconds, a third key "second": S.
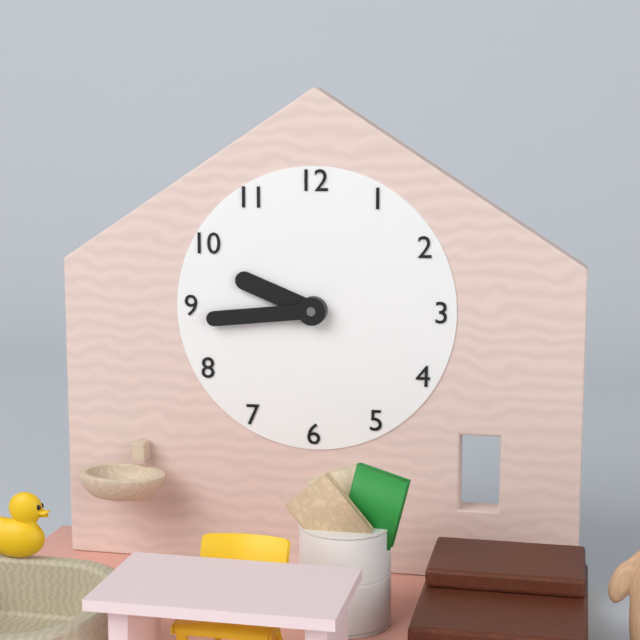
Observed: {"hour": 9, "minute": 44}
